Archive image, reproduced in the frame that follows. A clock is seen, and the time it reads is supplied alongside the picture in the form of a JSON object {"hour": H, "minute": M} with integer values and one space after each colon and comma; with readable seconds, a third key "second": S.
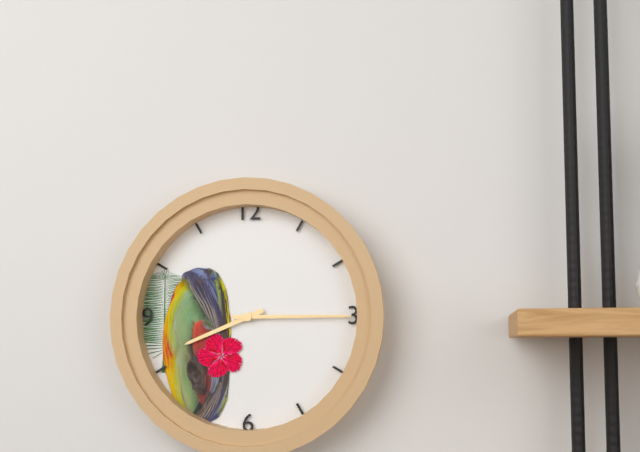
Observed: {"hour": 8, "minute": 15}
